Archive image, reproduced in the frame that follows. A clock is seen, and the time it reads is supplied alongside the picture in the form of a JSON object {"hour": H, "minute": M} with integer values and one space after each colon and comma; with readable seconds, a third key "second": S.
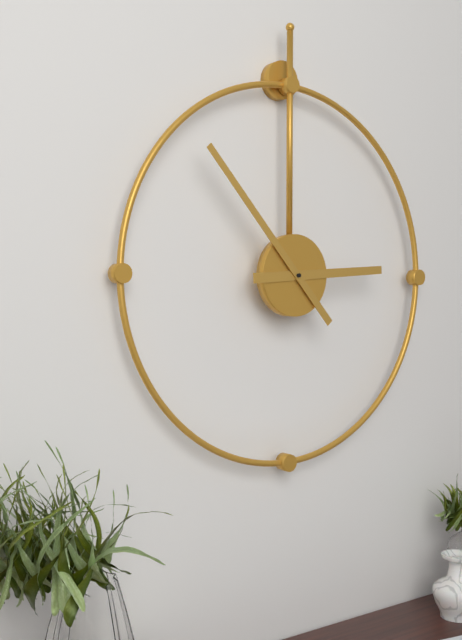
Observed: {"hour": 2, "minute": 53}
